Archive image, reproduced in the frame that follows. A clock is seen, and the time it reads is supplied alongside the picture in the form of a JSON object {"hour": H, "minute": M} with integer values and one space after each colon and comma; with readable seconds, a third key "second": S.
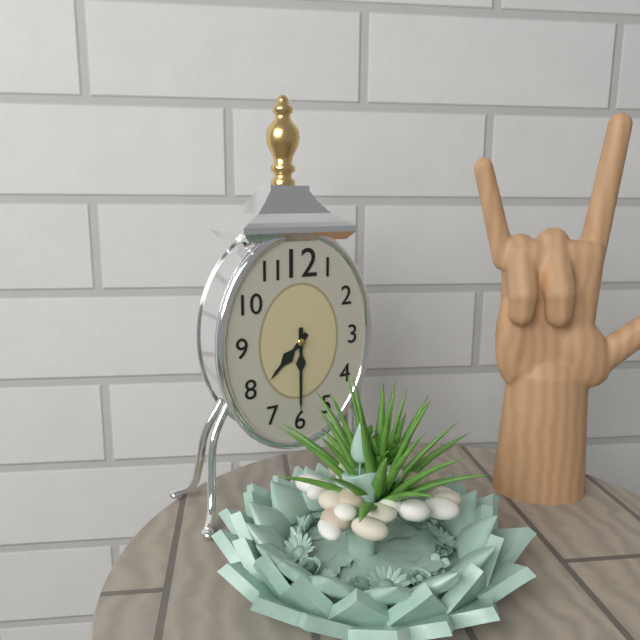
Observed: {"hour": 7, "minute": 30}
